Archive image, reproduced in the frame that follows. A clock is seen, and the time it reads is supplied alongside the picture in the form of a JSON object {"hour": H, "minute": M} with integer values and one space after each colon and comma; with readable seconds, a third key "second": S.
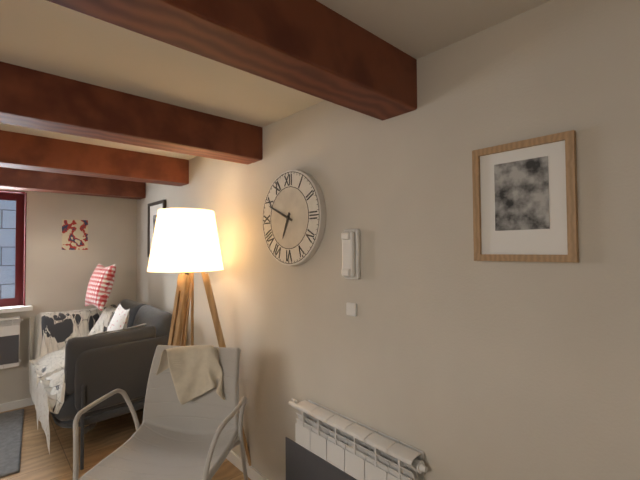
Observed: {"hour": 6, "minute": 49}
